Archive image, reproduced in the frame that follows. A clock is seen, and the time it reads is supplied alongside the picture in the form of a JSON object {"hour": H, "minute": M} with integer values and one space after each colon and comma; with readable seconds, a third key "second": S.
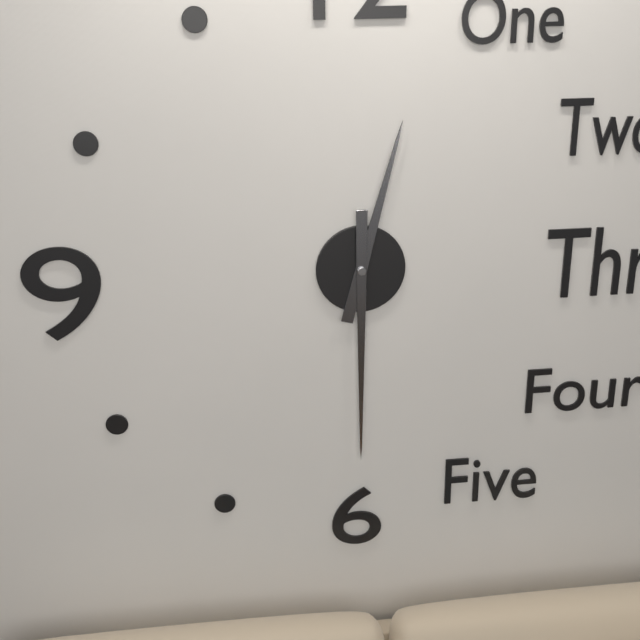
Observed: {"hour": 12, "minute": 30}
